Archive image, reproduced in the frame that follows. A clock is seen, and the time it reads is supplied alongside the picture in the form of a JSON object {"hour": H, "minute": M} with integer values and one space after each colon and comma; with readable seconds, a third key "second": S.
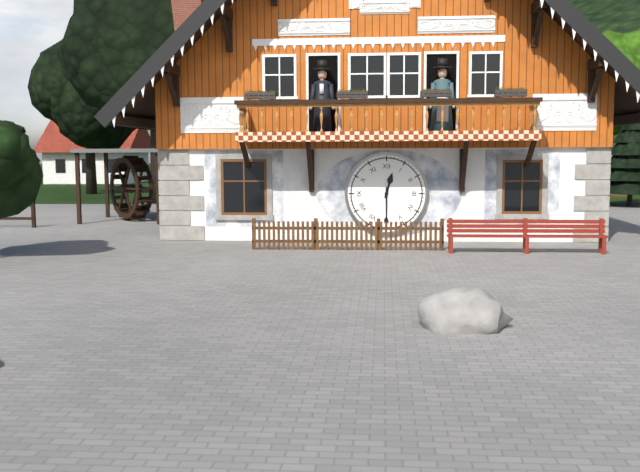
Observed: {"hour": 12, "minute": 30}
